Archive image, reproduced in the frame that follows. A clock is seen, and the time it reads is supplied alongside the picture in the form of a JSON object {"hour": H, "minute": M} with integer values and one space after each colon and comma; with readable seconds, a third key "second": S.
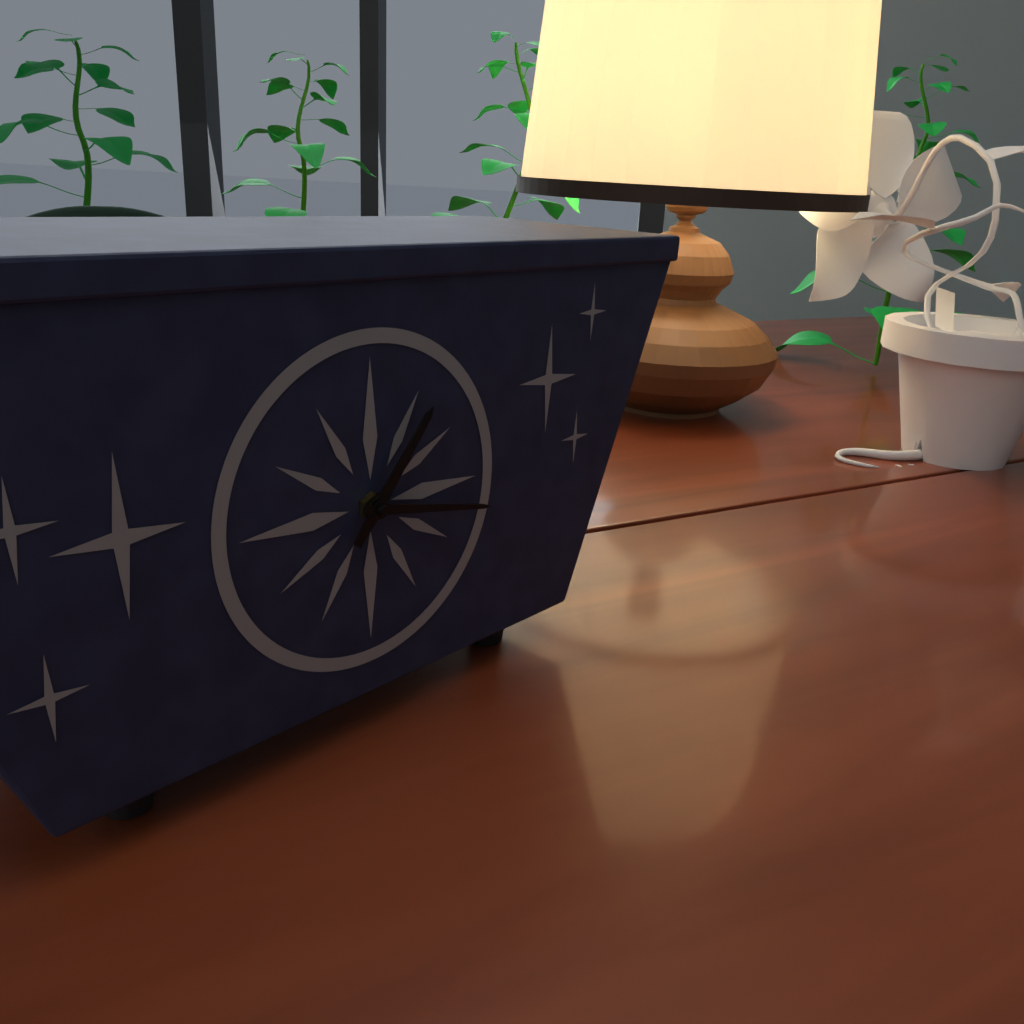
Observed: {"hour": 1, "minute": 17}
